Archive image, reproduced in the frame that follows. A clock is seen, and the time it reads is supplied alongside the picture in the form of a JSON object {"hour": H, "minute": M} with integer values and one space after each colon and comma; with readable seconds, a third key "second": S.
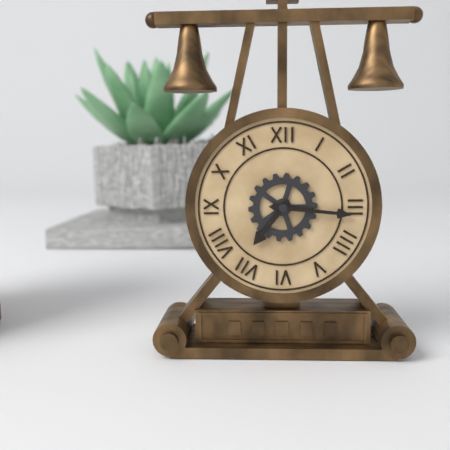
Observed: {"hour": 7, "minute": 16}
